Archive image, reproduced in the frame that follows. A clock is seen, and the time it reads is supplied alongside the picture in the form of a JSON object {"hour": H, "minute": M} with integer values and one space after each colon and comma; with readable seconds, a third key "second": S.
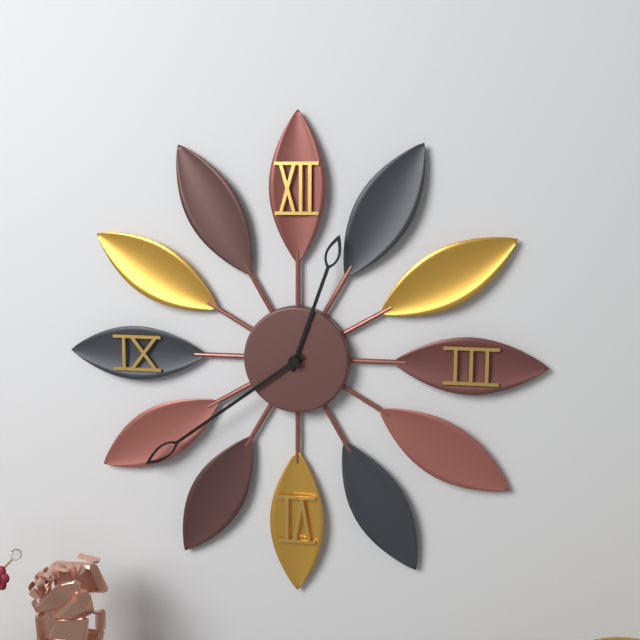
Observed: {"hour": 12, "minute": 39}
